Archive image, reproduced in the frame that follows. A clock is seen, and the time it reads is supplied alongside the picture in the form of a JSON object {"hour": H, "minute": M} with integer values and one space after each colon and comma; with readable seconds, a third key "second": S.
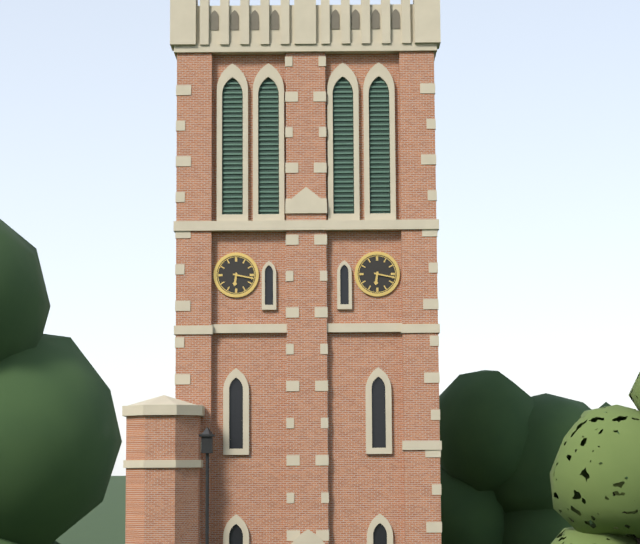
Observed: {"hour": 6, "minute": 17}
